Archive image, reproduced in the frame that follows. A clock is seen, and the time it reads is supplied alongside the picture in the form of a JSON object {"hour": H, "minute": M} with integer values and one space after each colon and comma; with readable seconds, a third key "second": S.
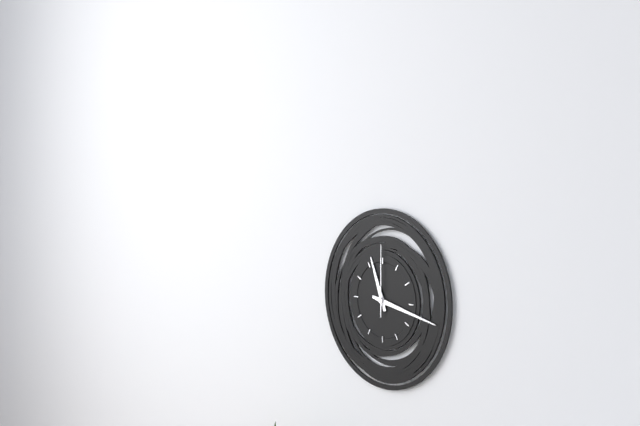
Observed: {"hour": 11, "minute": 17, "second": 0}
